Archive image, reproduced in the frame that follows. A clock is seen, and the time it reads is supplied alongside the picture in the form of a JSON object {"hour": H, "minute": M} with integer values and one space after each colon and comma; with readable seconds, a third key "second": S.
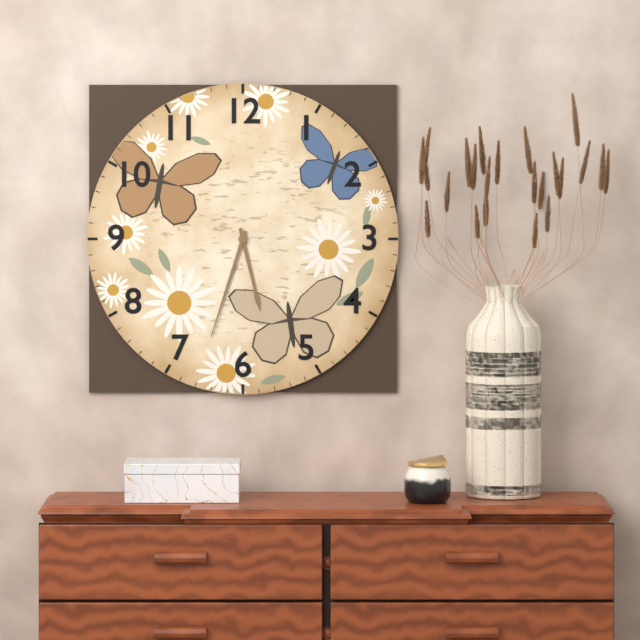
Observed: {"hour": 5, "minute": 33}
